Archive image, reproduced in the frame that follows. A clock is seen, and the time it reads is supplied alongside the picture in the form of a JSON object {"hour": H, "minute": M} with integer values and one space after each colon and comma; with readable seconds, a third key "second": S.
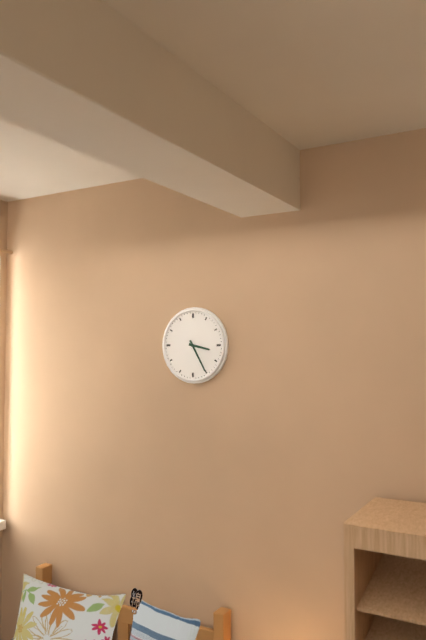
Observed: {"hour": 3, "minute": 25}
